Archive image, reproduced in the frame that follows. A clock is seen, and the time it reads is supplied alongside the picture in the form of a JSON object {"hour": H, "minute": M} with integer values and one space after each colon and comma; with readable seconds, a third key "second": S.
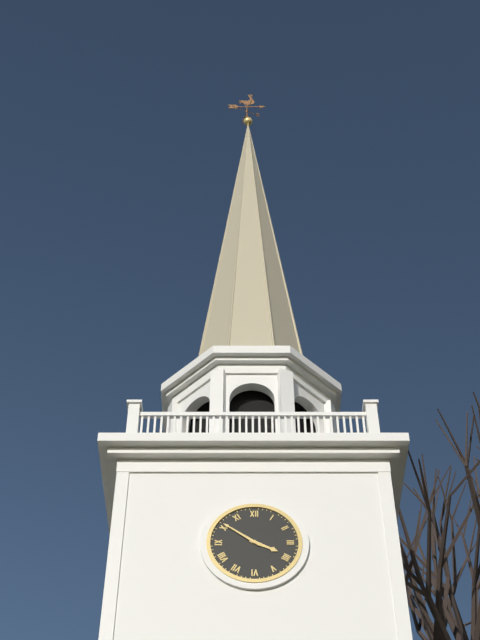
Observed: {"hour": 3, "minute": 51}
